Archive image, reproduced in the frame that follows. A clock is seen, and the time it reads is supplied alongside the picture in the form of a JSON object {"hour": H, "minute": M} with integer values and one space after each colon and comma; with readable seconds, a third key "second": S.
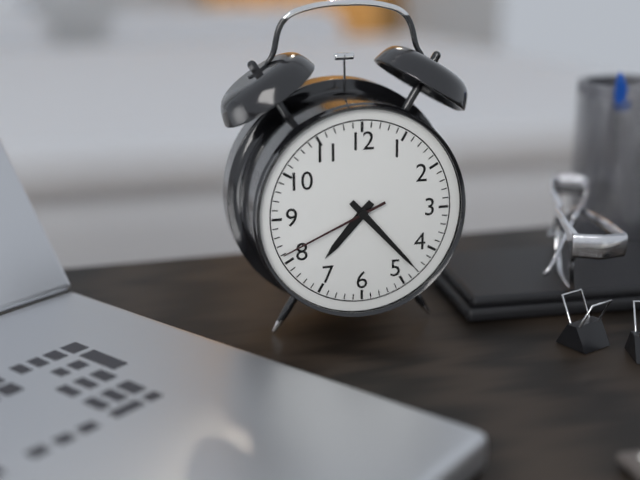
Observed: {"hour": 7, "minute": 23, "second": 41}
